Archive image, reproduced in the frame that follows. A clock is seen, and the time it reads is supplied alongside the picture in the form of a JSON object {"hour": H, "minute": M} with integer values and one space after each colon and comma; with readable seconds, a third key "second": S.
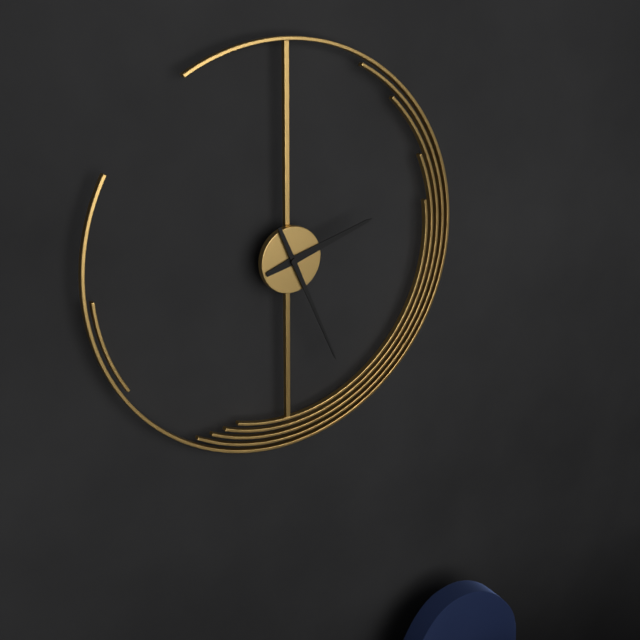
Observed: {"hour": 2, "minute": 26}
